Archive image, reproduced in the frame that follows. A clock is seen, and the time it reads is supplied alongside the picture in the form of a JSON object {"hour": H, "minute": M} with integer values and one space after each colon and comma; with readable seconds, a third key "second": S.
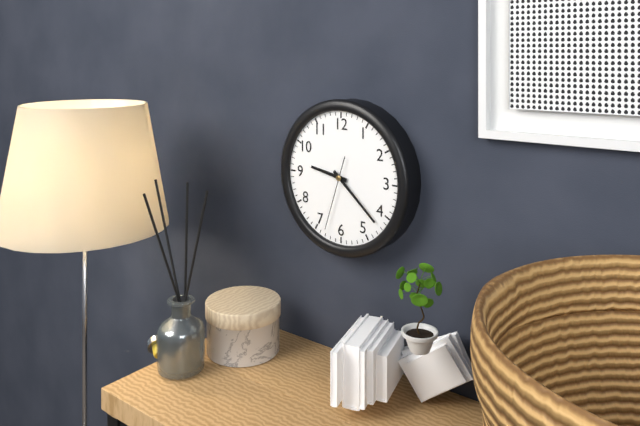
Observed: {"hour": 9, "minute": 22, "second": 33}
